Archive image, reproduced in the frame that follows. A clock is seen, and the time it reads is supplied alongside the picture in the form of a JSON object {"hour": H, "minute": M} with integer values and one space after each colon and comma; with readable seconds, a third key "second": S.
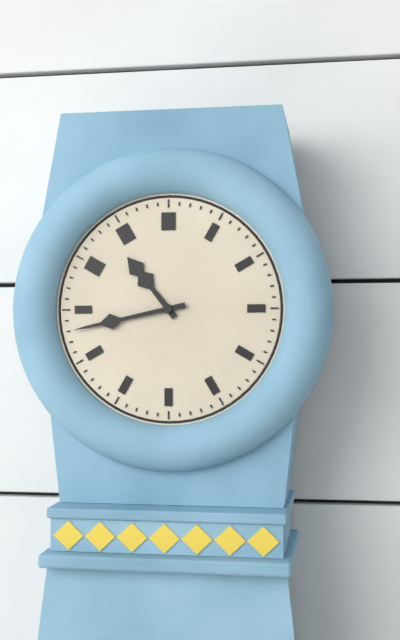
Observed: {"hour": 10, "minute": 43}
